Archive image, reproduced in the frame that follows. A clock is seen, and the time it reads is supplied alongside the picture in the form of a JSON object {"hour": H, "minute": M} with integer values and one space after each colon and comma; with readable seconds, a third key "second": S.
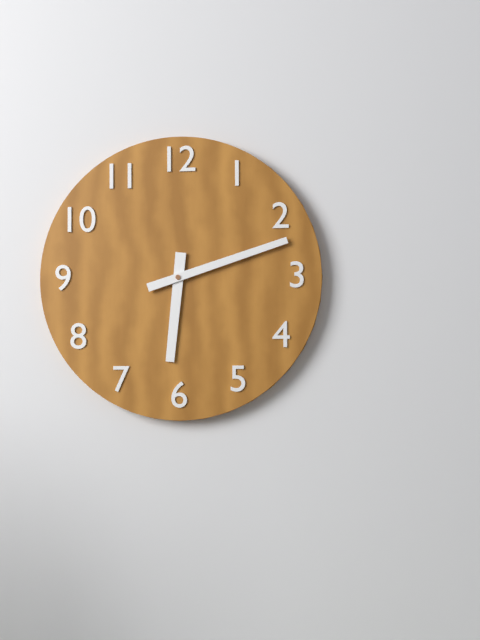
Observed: {"hour": 6, "minute": 12}
